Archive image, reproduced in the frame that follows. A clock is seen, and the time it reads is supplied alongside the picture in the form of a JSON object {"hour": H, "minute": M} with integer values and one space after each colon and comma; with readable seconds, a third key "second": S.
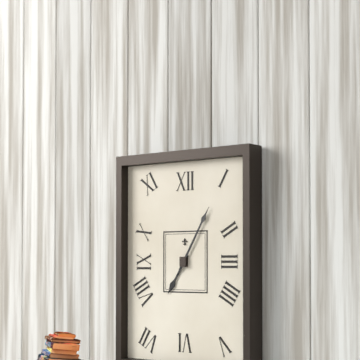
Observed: {"hour": 7, "minute": 5}
